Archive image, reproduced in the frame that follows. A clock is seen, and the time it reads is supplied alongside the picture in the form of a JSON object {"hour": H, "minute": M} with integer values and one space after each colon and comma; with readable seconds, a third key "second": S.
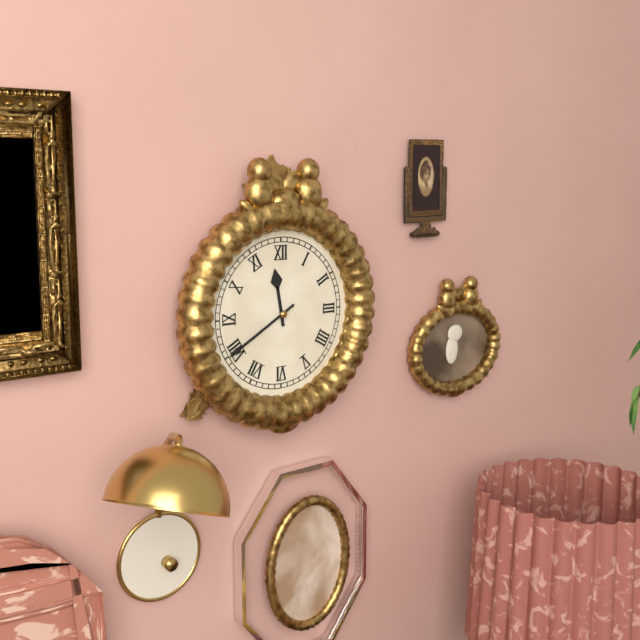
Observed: {"hour": 11, "minute": 40}
